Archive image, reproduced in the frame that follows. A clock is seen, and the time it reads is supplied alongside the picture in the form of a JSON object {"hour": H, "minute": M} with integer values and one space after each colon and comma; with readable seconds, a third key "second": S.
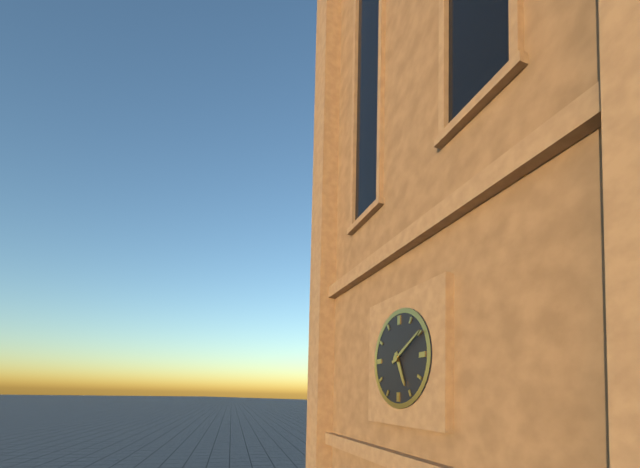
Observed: {"hour": 5, "minute": 10}
